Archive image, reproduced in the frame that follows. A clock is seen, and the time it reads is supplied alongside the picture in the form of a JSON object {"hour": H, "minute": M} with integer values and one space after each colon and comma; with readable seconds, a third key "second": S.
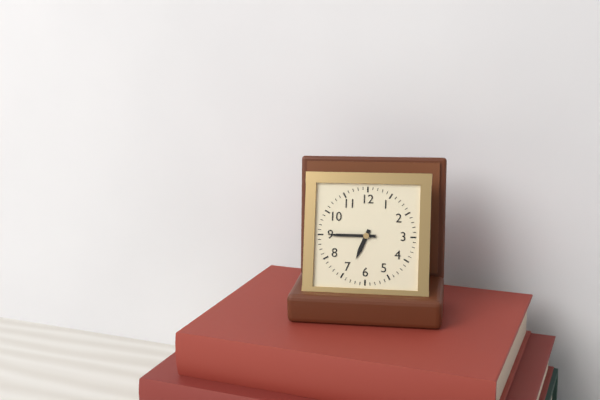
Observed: {"hour": 6, "minute": 45}
